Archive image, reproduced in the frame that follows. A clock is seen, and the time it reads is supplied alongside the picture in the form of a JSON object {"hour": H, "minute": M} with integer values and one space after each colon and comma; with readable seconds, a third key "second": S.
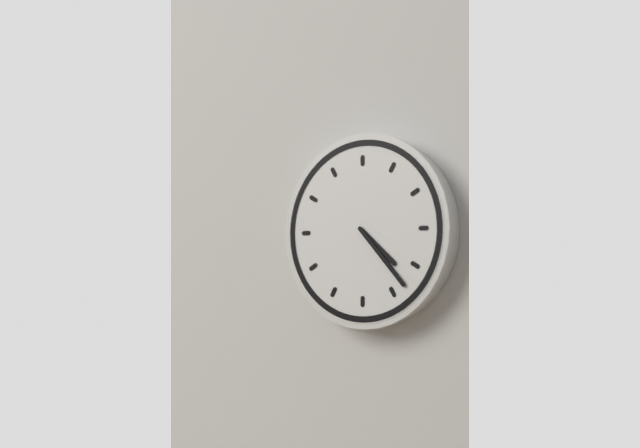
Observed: {"hour": 4, "minute": 23}
